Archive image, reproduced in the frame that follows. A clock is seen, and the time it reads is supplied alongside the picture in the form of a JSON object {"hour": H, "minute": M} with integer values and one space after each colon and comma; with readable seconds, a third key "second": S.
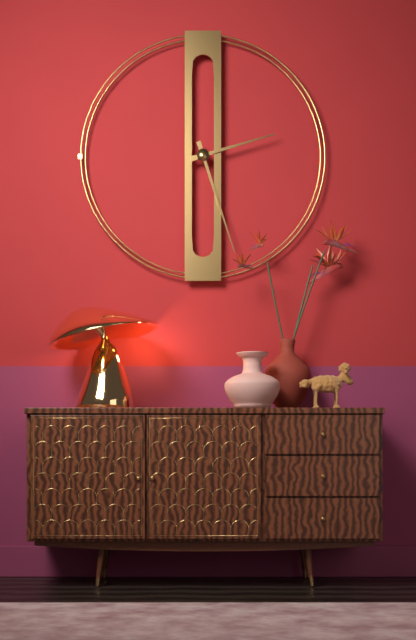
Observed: {"hour": 2, "minute": 27}
